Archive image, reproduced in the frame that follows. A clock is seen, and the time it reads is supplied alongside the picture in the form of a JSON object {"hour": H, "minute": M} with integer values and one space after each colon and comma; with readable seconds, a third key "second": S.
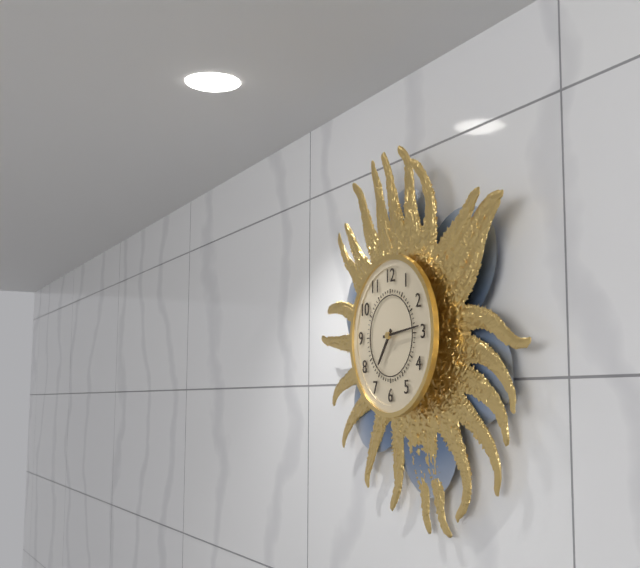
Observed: {"hour": 7, "minute": 14}
